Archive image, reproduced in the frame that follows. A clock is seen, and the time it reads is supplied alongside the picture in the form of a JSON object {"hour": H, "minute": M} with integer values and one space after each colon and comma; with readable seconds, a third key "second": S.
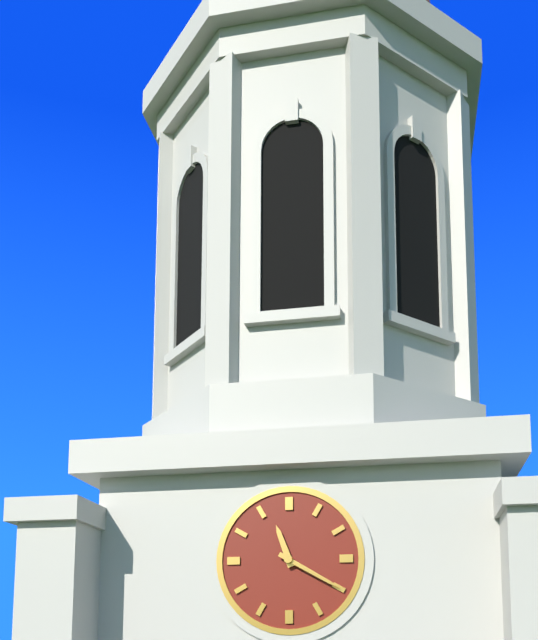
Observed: {"hour": 11, "minute": 20}
